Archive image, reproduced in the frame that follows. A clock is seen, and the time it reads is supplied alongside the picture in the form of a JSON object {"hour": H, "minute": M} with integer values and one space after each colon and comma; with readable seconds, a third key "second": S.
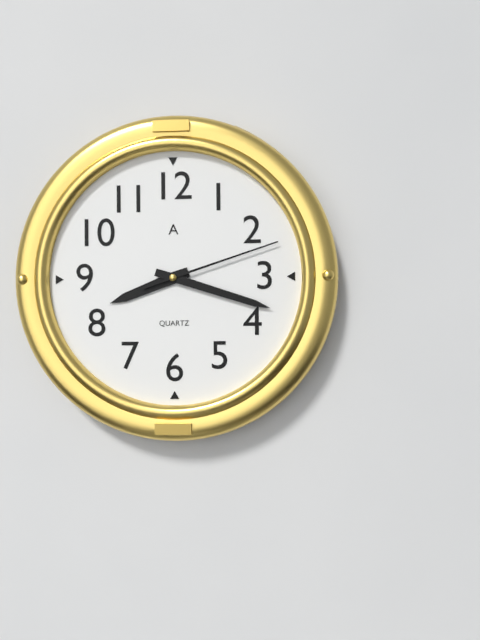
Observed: {"hour": 8, "minute": 18, "second": 12}
